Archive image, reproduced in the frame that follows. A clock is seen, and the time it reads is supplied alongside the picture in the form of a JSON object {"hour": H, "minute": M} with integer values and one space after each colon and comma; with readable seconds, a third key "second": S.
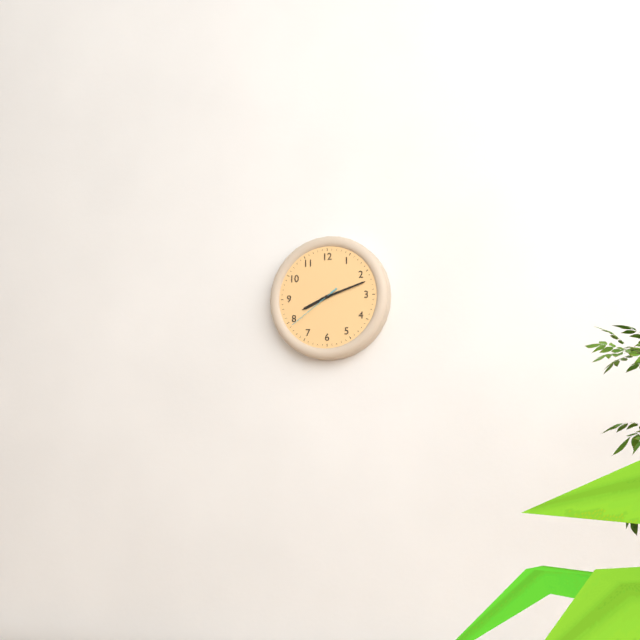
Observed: {"hour": 8, "minute": 12, "second": 39}
